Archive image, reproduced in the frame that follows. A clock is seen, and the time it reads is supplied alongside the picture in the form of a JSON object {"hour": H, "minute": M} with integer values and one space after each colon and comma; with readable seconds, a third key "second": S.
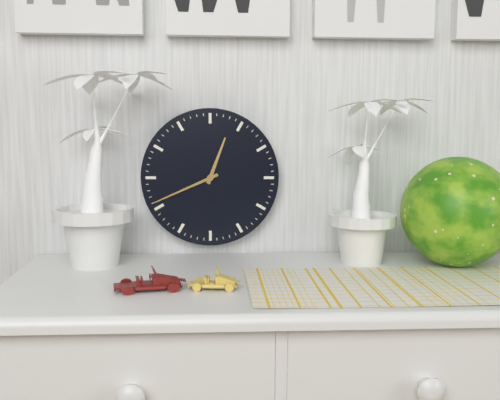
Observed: {"hour": 12, "minute": 41}
